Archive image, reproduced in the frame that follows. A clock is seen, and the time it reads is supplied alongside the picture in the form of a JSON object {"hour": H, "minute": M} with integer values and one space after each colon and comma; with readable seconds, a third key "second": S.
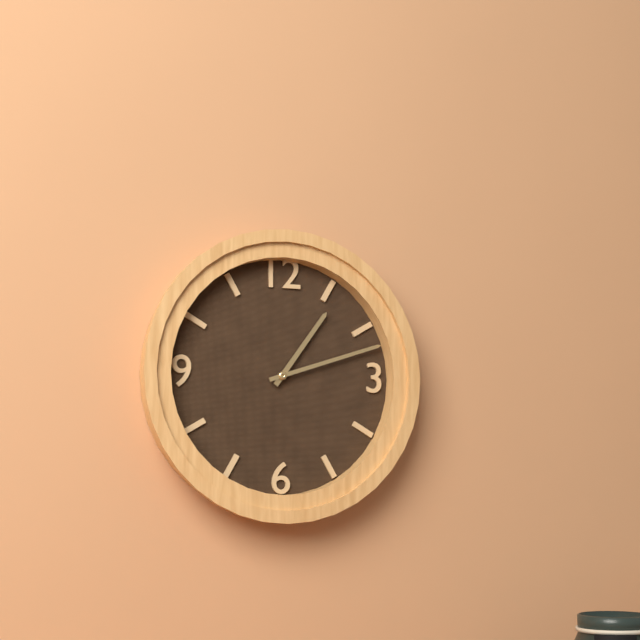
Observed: {"hour": 1, "minute": 12}
